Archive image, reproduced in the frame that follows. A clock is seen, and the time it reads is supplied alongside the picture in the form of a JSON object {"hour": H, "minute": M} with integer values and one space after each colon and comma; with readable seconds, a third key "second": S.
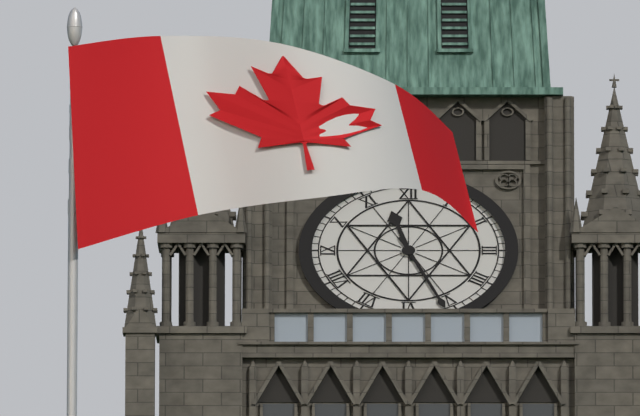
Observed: {"hour": 11, "minute": 26}
